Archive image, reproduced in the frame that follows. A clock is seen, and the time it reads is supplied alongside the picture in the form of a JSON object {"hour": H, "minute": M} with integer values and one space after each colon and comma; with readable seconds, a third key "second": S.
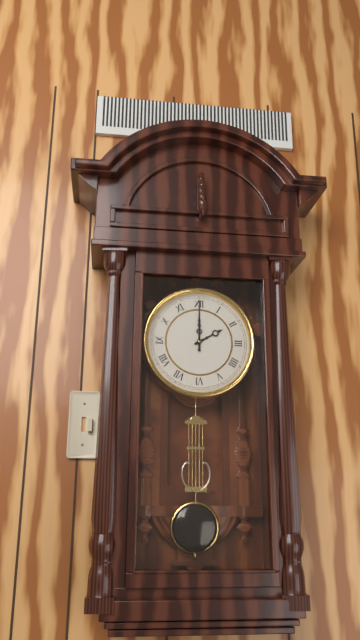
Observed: {"hour": 2, "minute": 0}
